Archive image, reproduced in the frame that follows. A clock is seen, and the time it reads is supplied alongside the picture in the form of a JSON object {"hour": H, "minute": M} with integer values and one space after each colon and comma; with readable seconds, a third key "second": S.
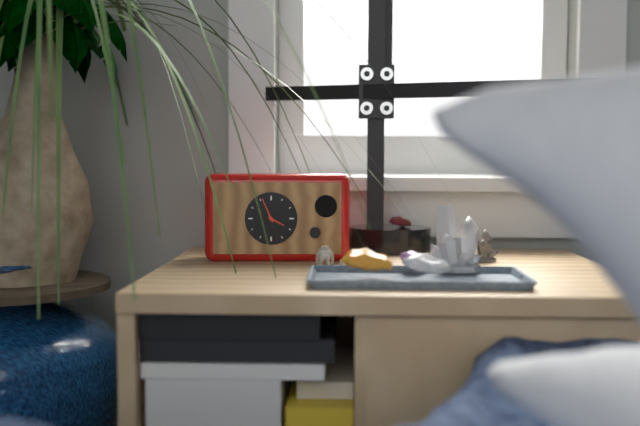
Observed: {"hour": 3, "minute": 56}
